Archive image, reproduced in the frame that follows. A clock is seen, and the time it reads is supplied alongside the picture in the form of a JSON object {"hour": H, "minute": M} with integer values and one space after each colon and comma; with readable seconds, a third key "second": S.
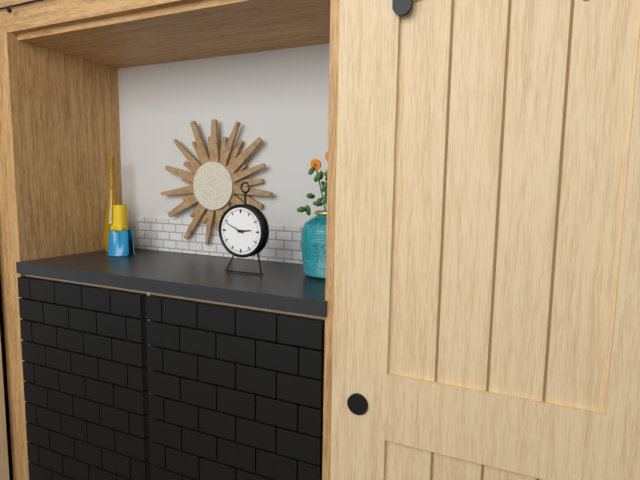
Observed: {"hour": 2, "minute": 49}
